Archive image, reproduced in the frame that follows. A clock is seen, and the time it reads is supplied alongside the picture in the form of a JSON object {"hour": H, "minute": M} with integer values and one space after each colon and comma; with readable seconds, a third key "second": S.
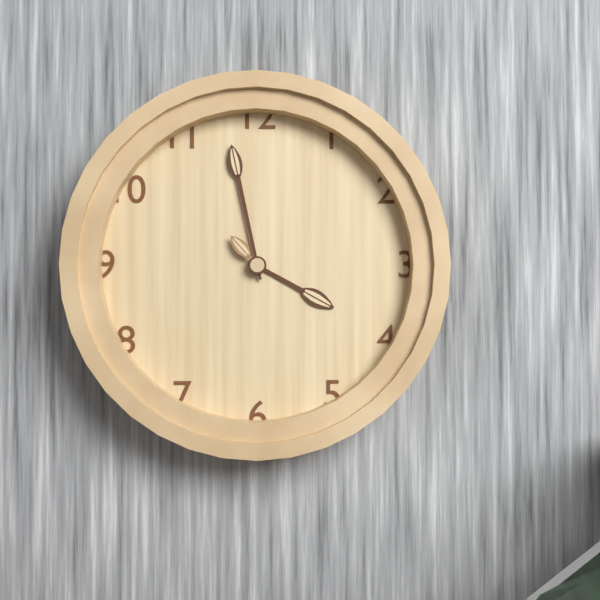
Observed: {"hour": 3, "minute": 58, "second": 53}
